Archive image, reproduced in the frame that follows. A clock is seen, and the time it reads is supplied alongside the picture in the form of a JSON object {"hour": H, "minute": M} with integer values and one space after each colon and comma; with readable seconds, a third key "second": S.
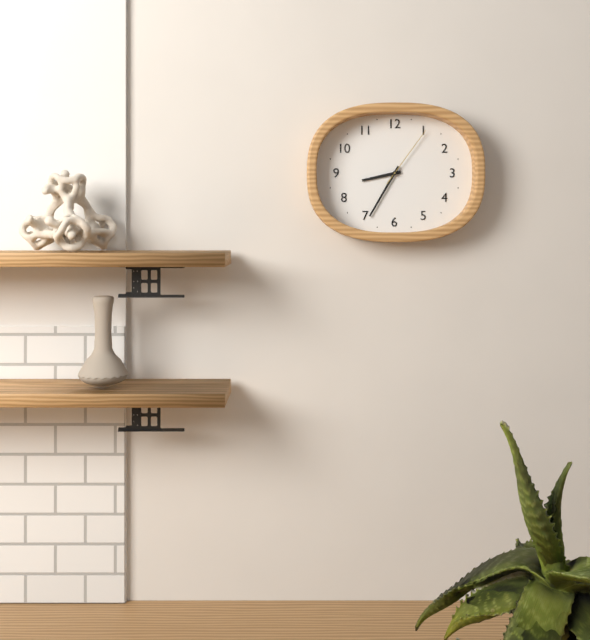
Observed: {"hour": 8, "minute": 35, "second": 6}
